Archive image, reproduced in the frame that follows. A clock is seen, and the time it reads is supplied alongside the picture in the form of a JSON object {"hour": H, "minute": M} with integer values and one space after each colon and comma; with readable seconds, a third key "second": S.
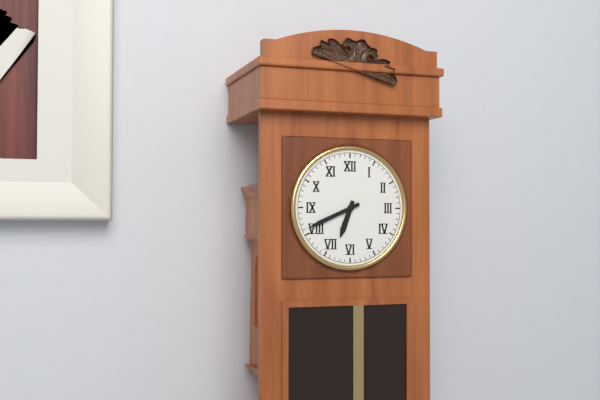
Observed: {"hour": 6, "minute": 41}
